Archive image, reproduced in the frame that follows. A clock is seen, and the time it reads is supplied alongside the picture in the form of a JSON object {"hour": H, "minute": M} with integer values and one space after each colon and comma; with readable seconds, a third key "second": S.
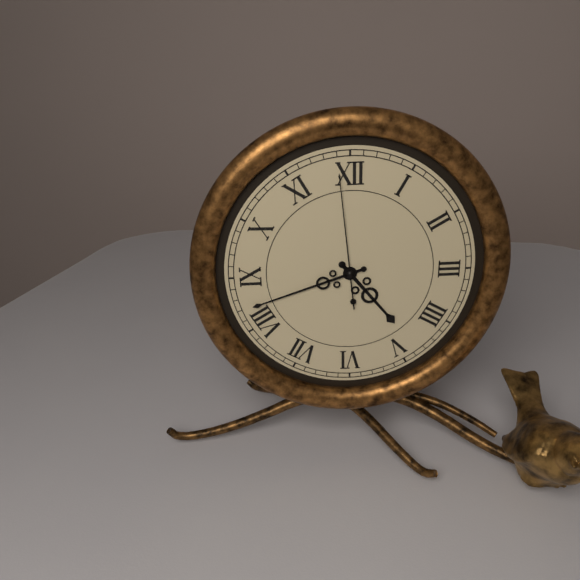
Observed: {"hour": 4, "minute": 42, "second": 59}
